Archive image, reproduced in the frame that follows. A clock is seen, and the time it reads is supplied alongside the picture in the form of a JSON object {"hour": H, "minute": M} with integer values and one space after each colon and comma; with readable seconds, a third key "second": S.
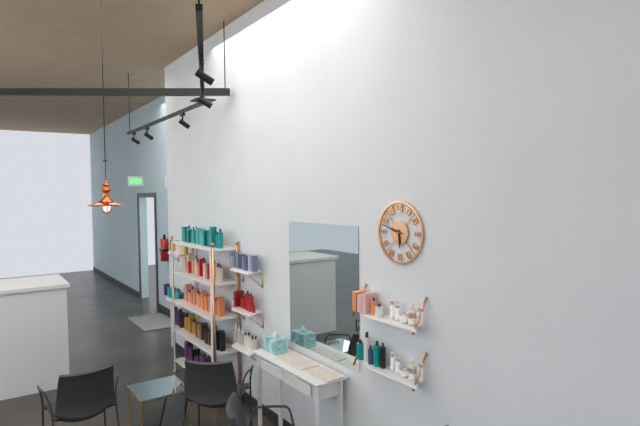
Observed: {"hour": 5, "minute": 48}
